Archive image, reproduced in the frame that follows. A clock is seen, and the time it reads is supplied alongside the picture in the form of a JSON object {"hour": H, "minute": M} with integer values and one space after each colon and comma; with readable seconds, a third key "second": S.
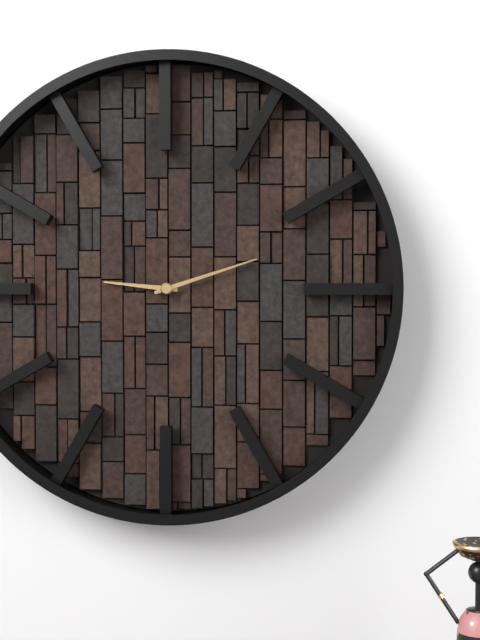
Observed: {"hour": 9, "minute": 12}
